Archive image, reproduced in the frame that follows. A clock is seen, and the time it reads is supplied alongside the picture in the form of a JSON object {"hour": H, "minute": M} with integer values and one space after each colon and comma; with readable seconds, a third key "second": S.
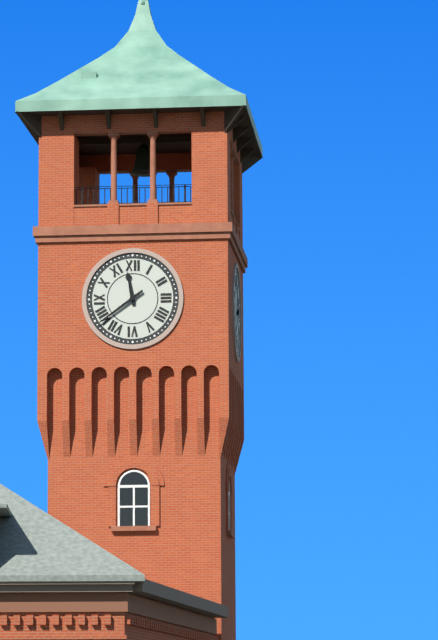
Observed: {"hour": 11, "minute": 39}
